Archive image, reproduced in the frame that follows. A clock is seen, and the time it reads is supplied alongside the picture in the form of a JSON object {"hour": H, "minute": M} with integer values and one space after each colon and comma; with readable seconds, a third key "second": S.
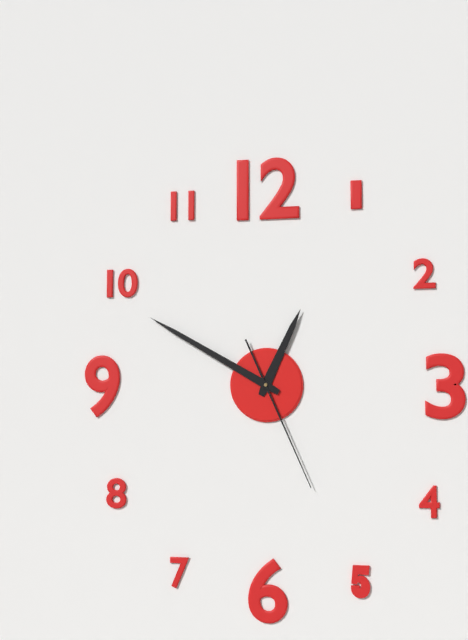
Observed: {"hour": 12, "minute": 50, "second": 26}
